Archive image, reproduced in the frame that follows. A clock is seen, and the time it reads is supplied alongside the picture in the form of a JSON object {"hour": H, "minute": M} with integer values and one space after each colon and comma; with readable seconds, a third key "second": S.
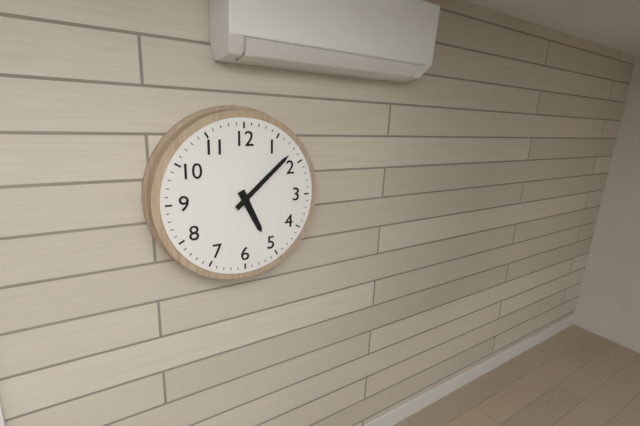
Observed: {"hour": 5, "minute": 8}
